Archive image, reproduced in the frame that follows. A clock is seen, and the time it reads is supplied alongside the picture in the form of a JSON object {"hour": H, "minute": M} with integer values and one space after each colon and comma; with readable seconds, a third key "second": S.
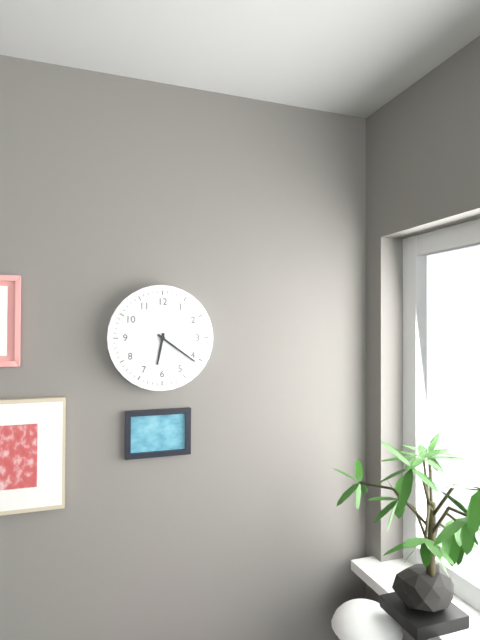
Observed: {"hour": 6, "minute": 21}
